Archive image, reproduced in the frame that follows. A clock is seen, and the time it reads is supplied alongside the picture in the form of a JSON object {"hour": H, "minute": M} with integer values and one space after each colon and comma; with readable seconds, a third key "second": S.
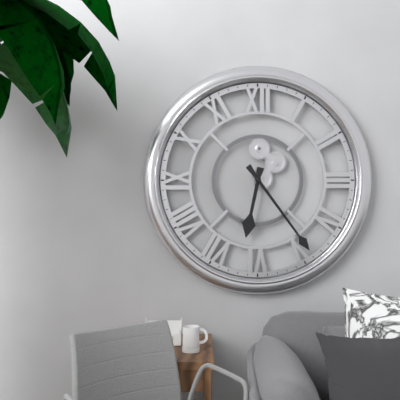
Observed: {"hour": 6, "minute": 24}
